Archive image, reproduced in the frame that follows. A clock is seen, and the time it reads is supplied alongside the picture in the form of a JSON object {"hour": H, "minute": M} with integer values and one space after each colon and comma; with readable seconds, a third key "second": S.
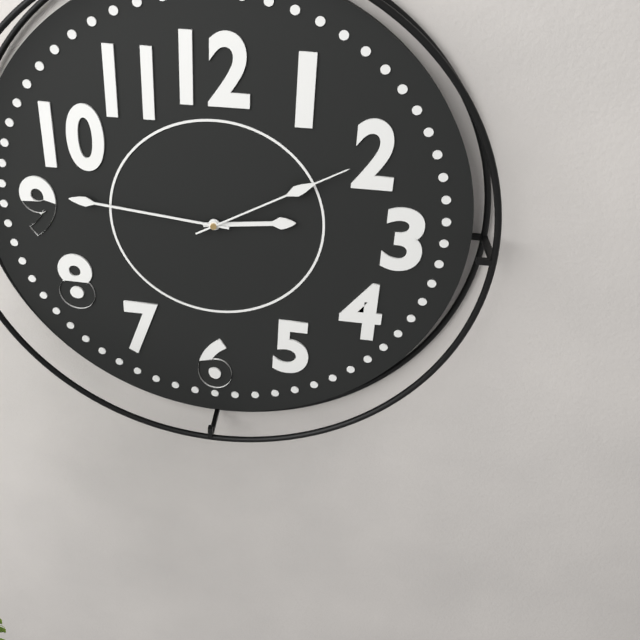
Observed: {"hour": 2, "minute": 46, "second": 10}
